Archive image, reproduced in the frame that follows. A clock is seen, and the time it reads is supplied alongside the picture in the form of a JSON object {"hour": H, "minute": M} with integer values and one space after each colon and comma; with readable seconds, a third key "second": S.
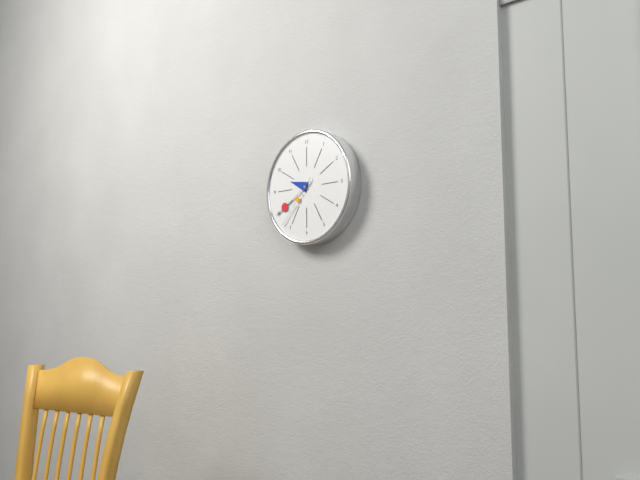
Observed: {"hour": 9, "minute": 40, "second": 37}
